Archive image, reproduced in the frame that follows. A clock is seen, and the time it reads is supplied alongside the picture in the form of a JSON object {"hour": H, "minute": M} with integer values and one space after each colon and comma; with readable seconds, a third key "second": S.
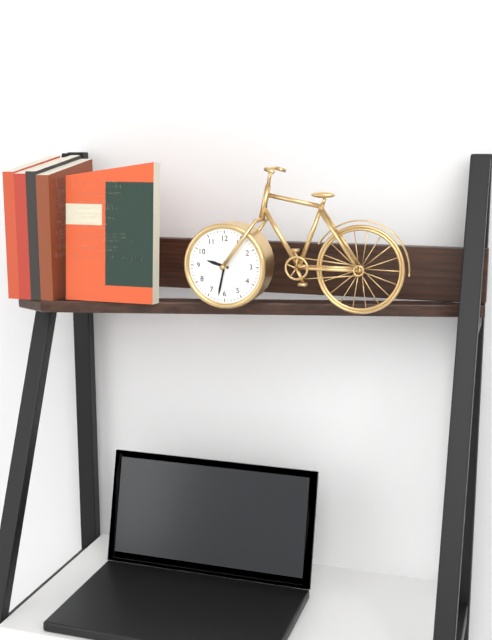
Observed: {"hour": 9, "minute": 32}
